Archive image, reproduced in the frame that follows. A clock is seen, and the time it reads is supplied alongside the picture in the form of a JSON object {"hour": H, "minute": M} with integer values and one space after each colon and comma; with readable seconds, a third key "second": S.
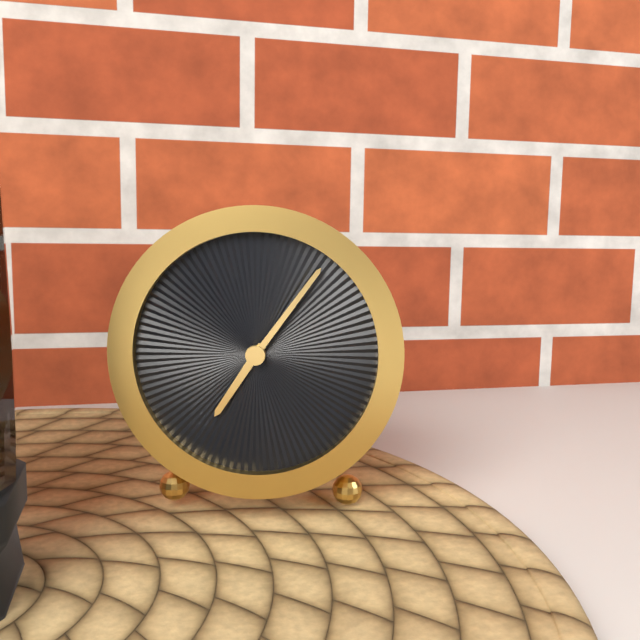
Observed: {"hour": 7, "minute": 6}
